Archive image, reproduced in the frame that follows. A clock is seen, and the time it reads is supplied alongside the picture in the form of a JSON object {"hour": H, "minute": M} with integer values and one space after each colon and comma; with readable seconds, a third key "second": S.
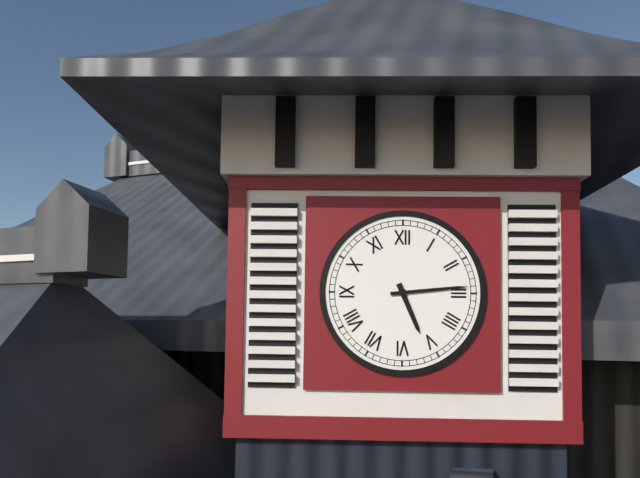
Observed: {"hour": 5, "minute": 14}
